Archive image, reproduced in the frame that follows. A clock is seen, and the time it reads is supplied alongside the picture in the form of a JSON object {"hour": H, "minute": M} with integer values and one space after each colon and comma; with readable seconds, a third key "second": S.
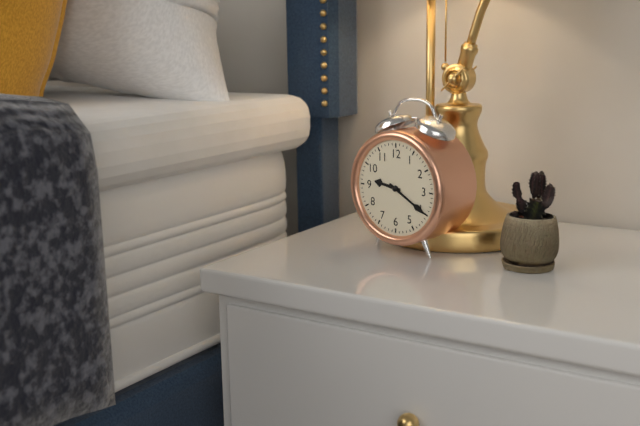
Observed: {"hour": 9, "minute": 20}
